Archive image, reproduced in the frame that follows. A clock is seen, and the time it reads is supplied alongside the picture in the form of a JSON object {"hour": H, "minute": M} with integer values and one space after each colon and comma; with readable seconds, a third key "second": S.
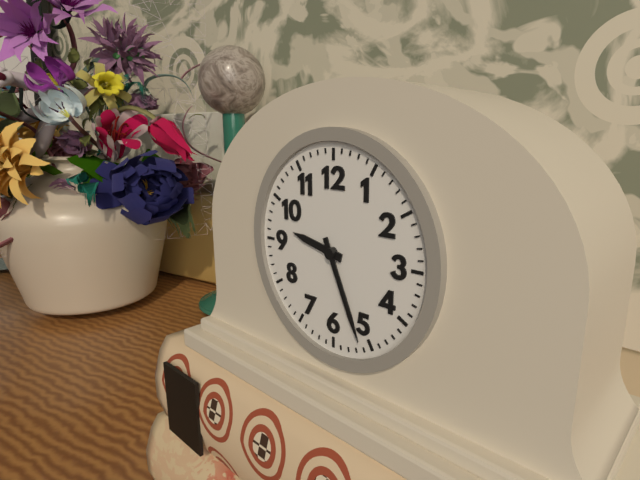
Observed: {"hour": 9, "minute": 26}
